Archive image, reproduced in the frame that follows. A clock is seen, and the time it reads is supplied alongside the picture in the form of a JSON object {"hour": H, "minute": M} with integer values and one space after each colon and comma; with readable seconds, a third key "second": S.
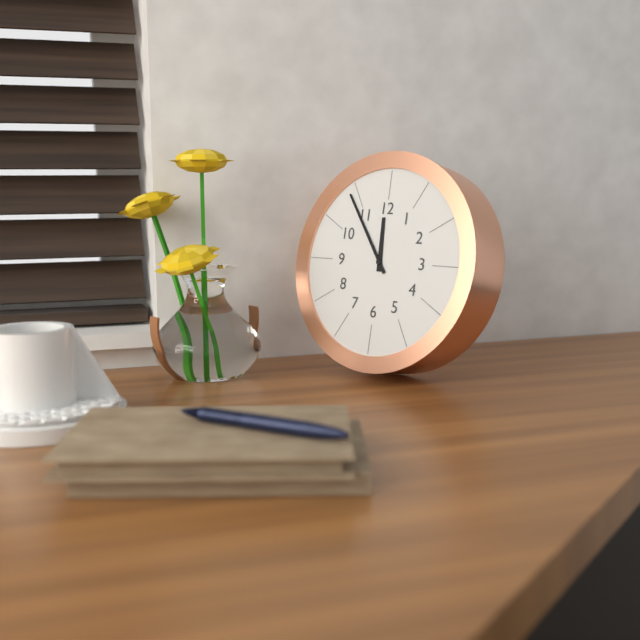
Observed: {"hour": 11, "minute": 54}
